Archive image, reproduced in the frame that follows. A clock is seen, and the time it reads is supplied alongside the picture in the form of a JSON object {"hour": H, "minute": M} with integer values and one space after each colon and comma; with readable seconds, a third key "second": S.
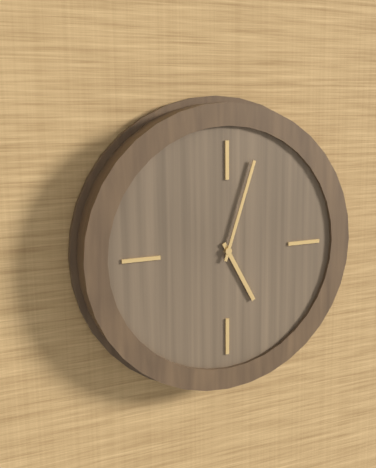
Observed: {"hour": 5, "minute": 3}
